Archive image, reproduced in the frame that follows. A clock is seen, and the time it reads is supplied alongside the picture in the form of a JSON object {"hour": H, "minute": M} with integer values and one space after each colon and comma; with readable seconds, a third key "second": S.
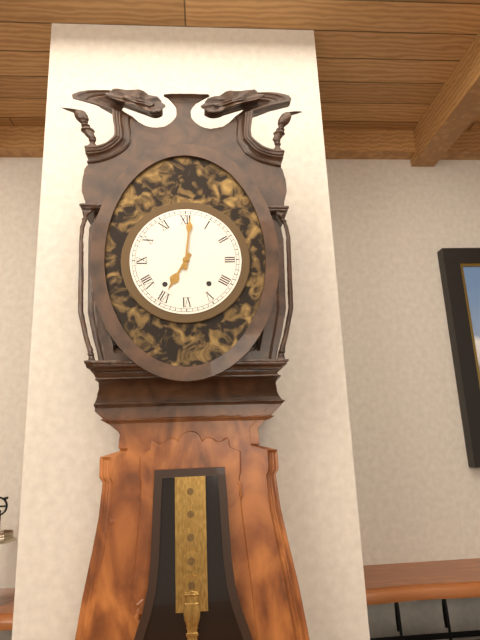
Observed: {"hour": 7, "minute": 1}
